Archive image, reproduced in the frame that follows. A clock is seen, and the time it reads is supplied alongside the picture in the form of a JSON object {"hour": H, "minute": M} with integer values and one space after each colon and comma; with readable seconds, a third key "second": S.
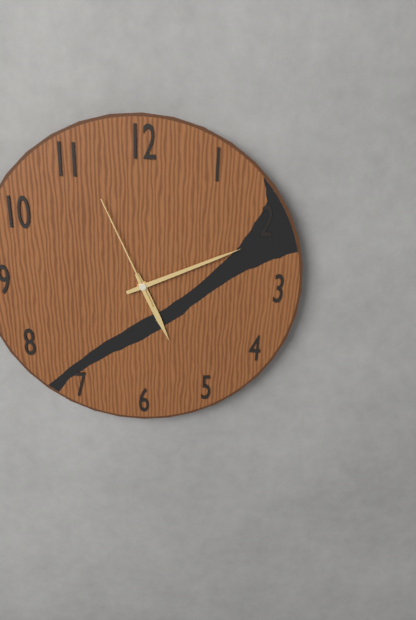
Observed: {"hour": 5, "minute": 11, "second": 56}
